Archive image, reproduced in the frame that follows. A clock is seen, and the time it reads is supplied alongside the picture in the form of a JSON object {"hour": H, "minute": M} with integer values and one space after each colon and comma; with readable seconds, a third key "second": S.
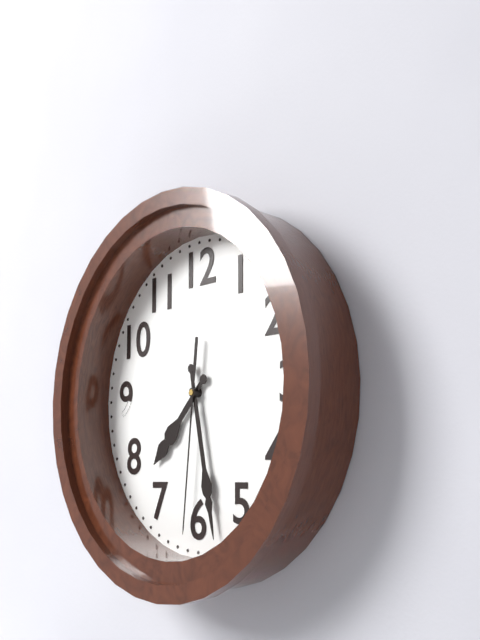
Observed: {"hour": 7, "minute": 28, "second": 31}
